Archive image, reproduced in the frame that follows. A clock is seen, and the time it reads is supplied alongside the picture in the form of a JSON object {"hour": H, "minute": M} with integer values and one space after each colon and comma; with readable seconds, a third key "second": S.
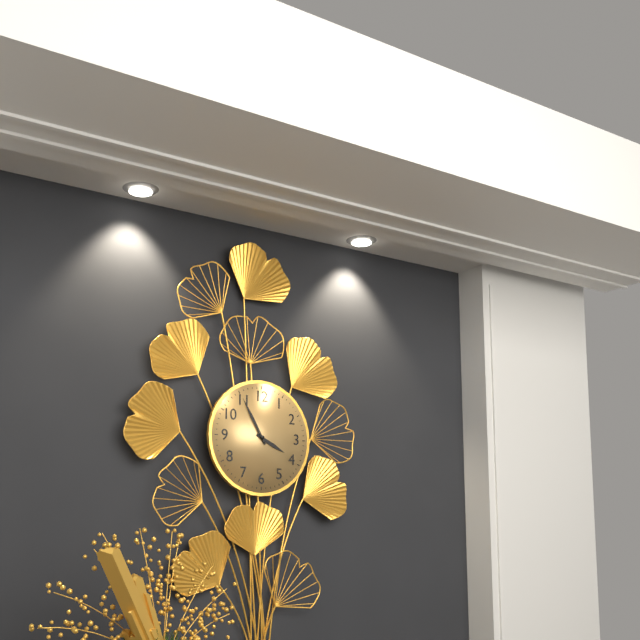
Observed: {"hour": 3, "minute": 55}
